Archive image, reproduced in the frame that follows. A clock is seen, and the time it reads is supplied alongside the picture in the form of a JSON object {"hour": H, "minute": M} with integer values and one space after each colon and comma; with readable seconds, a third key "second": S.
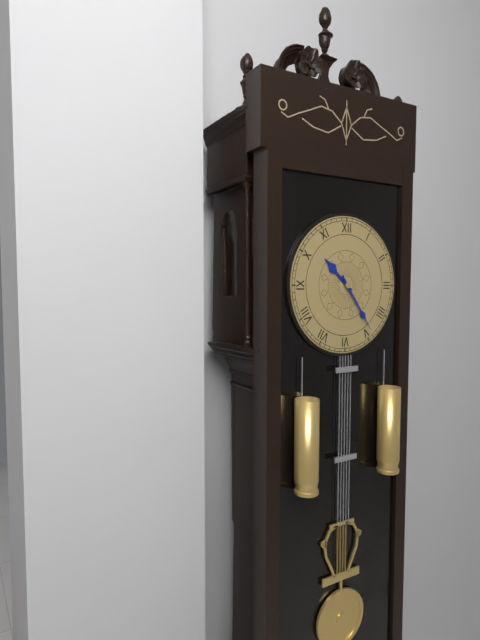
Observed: {"hour": 10, "minute": 24}
